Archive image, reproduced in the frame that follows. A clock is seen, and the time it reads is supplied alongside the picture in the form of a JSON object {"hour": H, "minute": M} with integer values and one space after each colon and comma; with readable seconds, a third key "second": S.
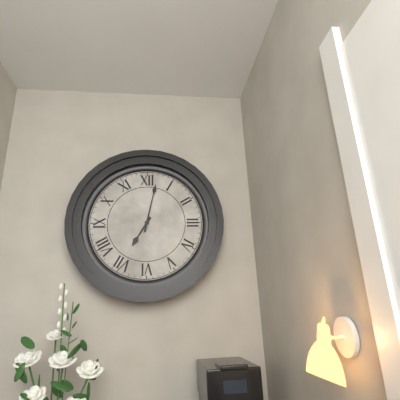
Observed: {"hour": 7, "minute": 2}
